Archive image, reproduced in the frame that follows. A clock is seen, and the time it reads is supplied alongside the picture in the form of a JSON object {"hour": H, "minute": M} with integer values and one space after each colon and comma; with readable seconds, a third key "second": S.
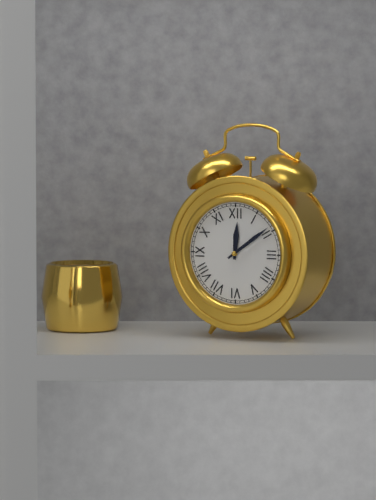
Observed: {"hour": 12, "minute": 9}
